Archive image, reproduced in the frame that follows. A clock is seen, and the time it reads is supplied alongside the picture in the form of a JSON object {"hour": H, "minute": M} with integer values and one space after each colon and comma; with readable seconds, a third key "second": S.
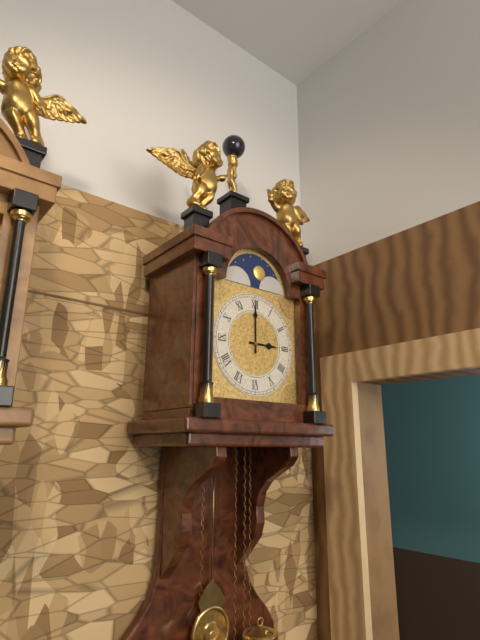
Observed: {"hour": 3, "minute": 0}
